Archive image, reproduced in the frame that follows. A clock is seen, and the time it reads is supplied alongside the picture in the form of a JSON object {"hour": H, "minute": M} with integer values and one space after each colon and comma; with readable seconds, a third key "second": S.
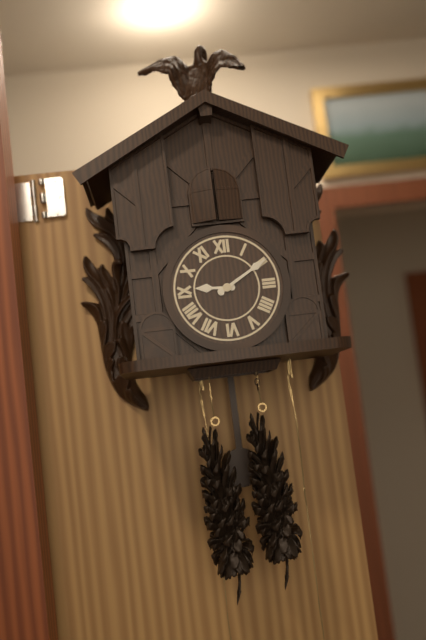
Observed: {"hour": 9, "minute": 10}
